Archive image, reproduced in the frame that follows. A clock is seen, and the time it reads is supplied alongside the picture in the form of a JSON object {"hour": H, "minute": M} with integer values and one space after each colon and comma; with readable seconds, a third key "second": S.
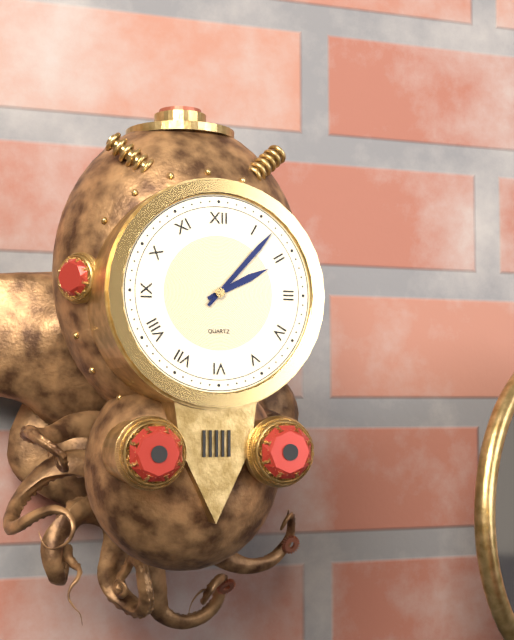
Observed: {"hour": 2, "minute": 7}
